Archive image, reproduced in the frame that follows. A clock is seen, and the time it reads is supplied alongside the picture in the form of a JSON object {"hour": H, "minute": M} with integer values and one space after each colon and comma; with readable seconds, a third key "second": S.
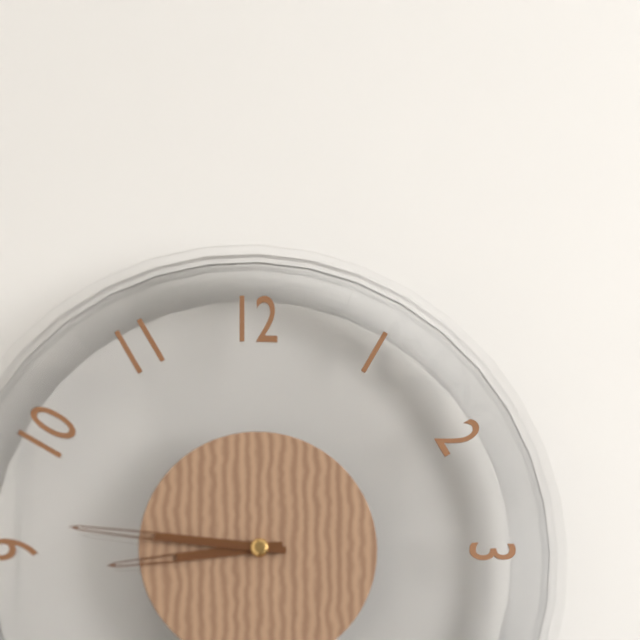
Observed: {"hour": 8, "minute": 46}
